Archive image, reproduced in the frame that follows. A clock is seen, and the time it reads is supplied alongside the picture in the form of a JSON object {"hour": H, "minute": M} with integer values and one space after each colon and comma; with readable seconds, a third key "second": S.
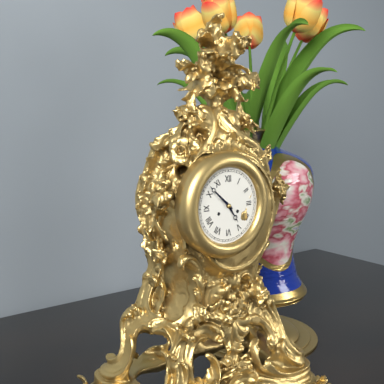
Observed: {"hour": 4, "minute": 52}
